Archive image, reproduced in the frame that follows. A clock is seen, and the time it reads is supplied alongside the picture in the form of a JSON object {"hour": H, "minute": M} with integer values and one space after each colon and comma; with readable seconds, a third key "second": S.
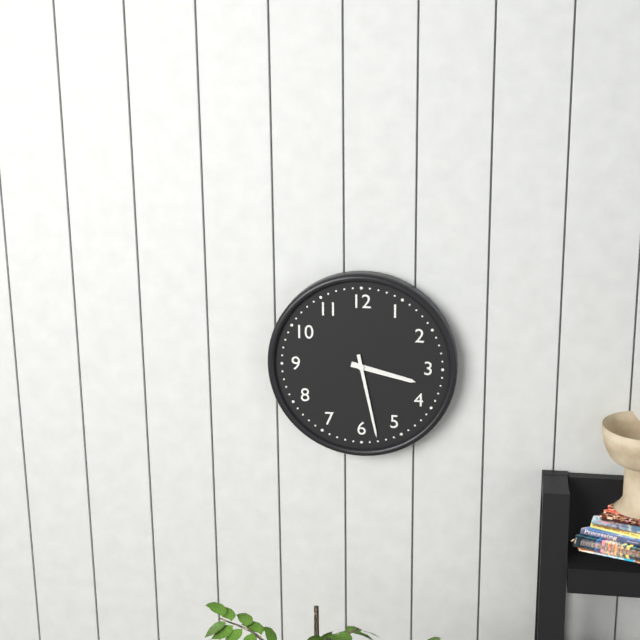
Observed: {"hour": 3, "minute": 28}
